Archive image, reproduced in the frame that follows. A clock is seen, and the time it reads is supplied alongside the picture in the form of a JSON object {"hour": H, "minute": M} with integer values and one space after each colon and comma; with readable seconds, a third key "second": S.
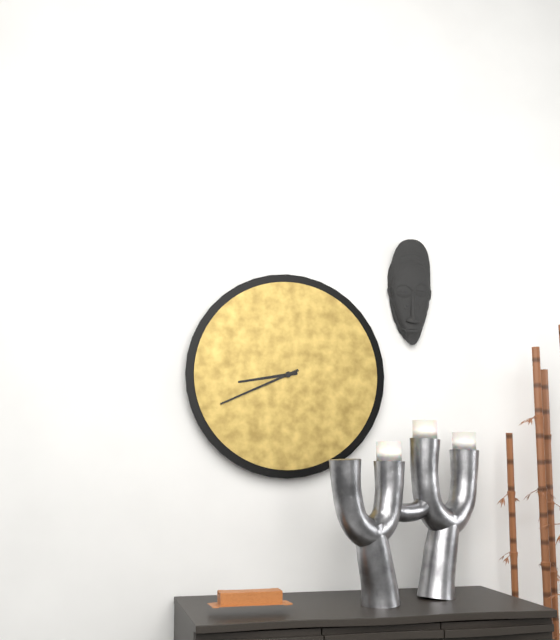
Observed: {"hour": 8, "minute": 41}
